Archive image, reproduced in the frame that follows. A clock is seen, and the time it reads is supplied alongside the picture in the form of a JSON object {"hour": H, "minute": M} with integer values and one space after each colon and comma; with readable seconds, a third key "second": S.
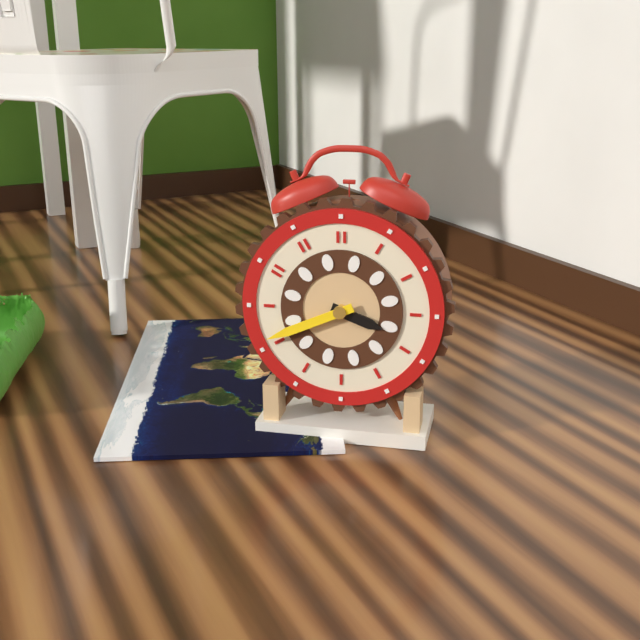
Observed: {"hour": 3, "minute": 41}
